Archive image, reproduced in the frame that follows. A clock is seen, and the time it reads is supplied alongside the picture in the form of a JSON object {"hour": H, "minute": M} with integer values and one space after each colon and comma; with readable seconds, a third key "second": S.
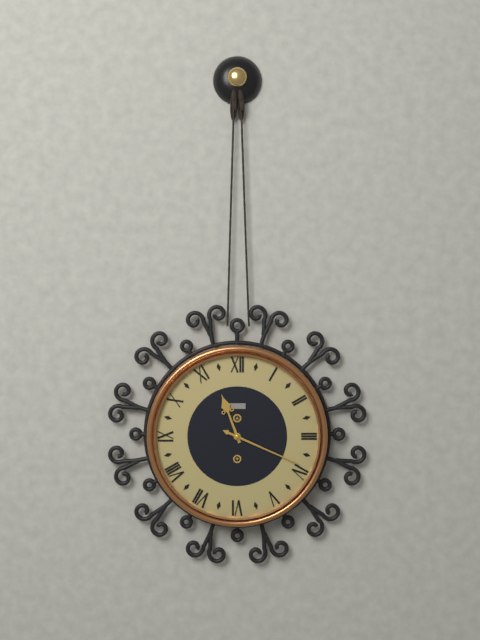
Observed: {"hour": 11, "minute": 19}
